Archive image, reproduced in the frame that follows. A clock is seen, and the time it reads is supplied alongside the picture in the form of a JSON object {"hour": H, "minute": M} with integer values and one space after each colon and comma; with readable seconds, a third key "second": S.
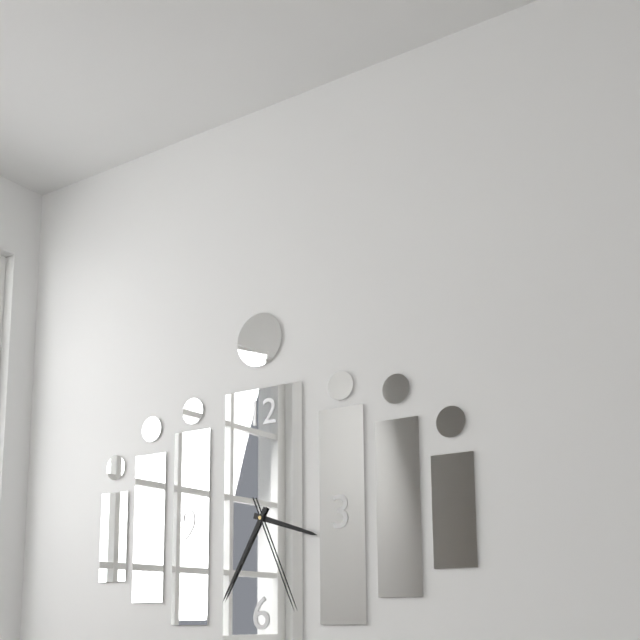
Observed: {"hour": 3, "minute": 35, "second": 26}
